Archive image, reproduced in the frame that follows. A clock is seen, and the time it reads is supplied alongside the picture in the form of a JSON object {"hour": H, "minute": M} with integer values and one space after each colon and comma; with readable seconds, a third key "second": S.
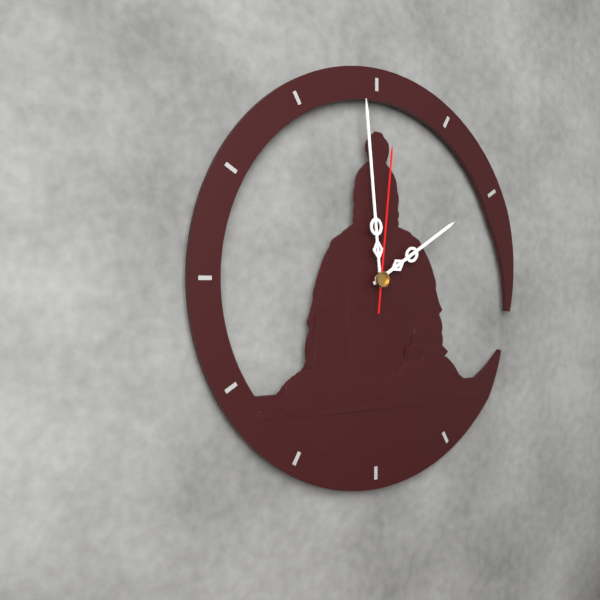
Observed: {"hour": 1, "minute": 59, "second": 1}
